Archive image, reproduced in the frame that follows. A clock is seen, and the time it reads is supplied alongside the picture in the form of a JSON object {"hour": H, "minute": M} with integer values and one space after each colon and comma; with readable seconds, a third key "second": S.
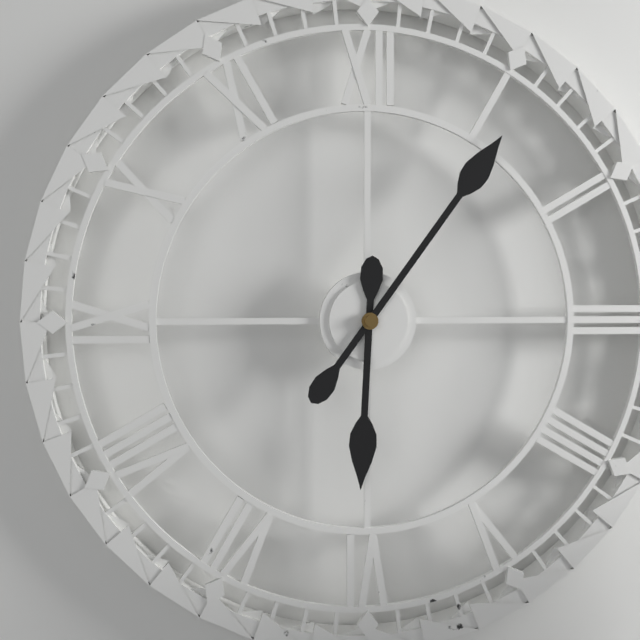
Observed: {"hour": 6, "minute": 6}
